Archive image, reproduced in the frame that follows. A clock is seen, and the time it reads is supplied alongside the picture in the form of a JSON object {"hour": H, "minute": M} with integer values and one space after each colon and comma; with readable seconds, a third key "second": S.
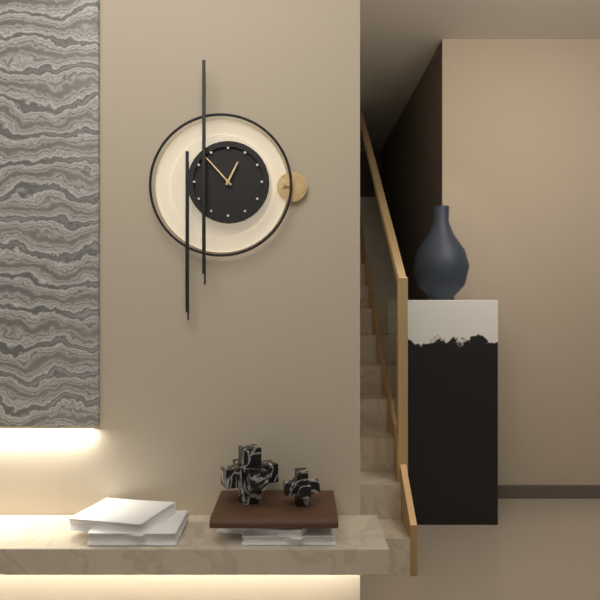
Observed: {"hour": 12, "minute": 53}
